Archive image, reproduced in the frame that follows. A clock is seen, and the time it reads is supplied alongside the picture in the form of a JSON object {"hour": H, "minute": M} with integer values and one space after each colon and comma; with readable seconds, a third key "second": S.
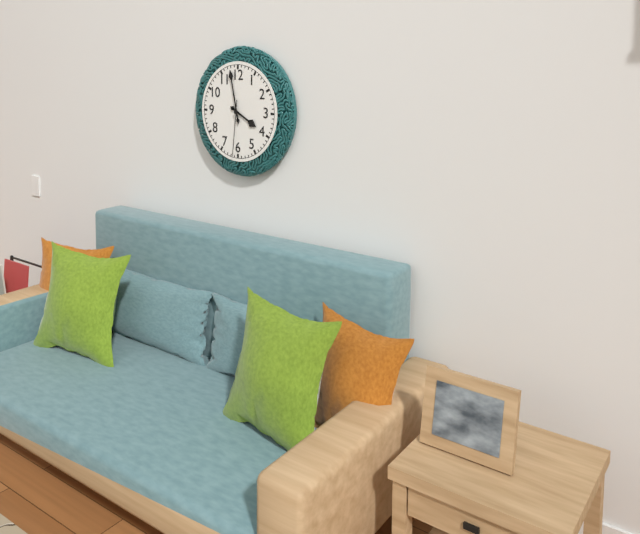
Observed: {"hour": 3, "minute": 58, "second": 31}
